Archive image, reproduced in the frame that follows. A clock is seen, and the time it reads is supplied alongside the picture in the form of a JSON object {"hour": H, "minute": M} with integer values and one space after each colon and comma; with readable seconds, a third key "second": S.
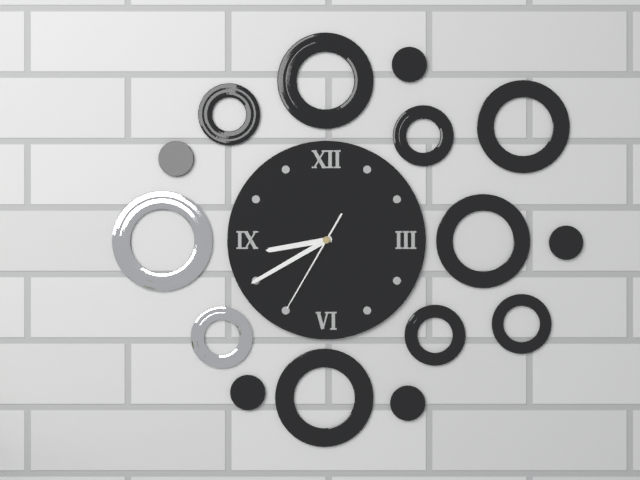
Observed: {"hour": 8, "minute": 40, "second": 35}
